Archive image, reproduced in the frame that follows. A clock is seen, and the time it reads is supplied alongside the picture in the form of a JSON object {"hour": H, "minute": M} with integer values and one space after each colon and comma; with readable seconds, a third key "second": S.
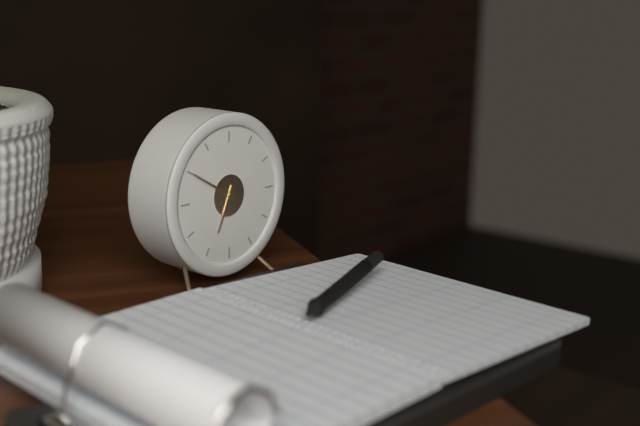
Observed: {"hour": 6, "minute": 50}
